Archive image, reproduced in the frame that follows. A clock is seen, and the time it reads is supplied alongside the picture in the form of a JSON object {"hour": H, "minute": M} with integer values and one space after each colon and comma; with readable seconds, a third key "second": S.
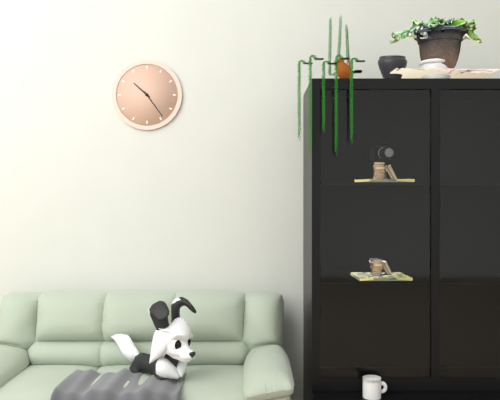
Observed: {"hour": 10, "minute": 24}
